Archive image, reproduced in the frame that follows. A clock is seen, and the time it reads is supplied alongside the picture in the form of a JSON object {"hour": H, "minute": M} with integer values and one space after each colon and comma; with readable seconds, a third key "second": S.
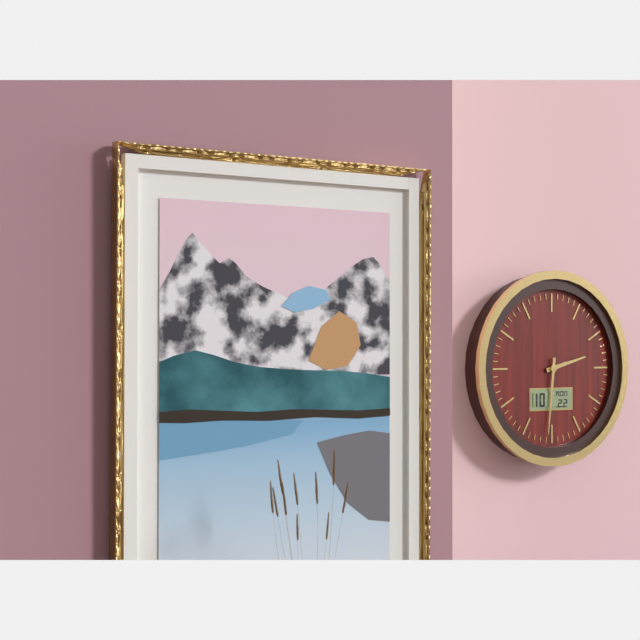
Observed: {"hour": 2, "minute": 31}
